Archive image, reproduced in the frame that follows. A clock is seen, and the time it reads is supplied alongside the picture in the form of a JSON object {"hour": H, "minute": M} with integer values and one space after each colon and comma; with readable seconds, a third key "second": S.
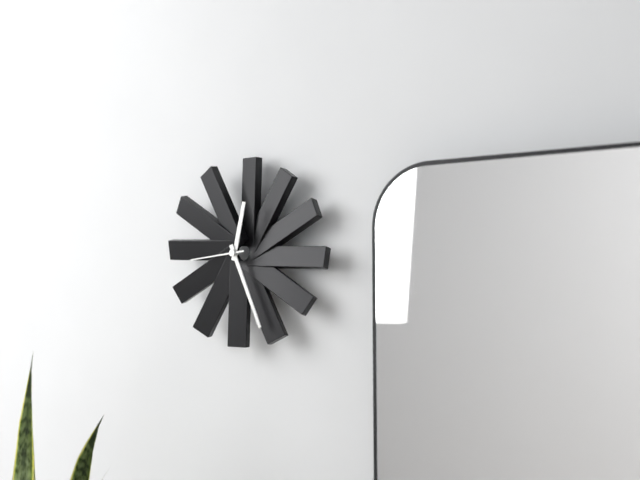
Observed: {"hour": 12, "minute": 26, "second": 44}
